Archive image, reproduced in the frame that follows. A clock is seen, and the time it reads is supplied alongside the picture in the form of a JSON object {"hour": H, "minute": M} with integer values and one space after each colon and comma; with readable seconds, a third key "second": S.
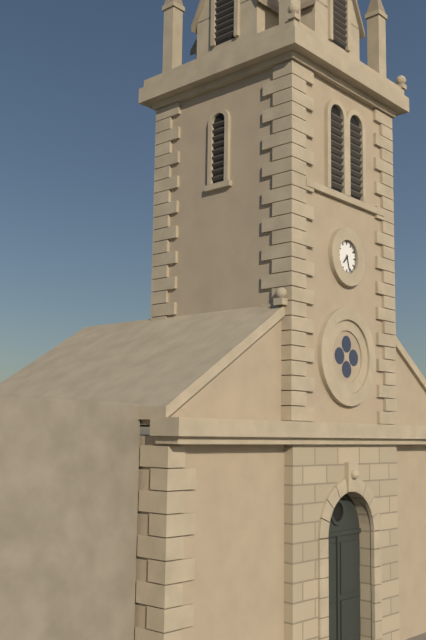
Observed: {"hour": 7, "minute": 27}
